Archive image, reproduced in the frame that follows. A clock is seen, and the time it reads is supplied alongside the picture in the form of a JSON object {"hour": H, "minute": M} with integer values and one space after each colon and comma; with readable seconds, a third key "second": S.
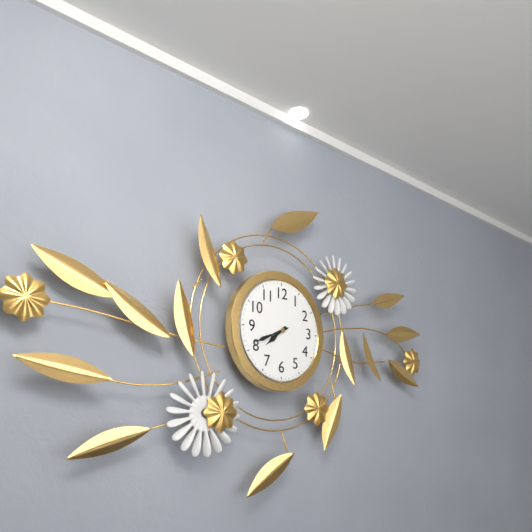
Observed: {"hour": 7, "minute": 41}
